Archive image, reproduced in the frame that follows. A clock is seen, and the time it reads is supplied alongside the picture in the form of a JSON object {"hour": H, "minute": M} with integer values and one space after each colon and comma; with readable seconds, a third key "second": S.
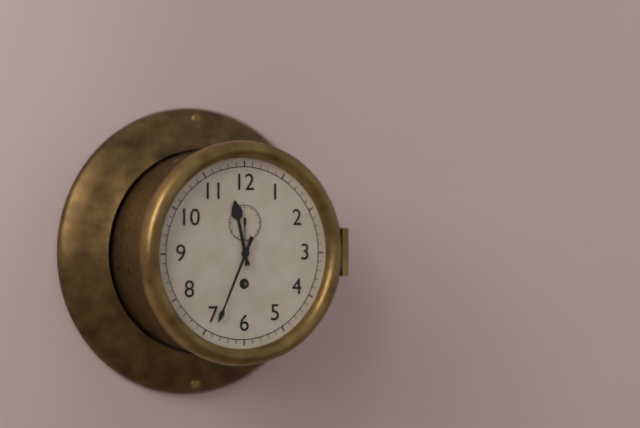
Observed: {"hour": 11, "minute": 34}
